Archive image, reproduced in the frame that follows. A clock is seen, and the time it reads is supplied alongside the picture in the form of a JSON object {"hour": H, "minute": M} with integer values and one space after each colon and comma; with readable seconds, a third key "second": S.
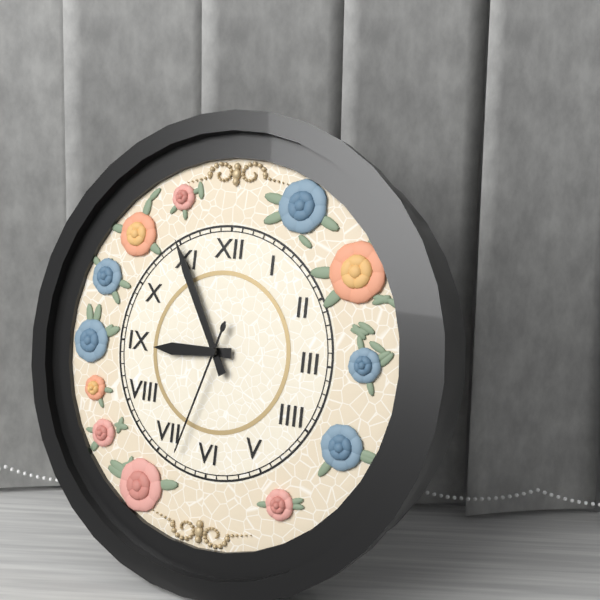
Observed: {"hour": 8, "minute": 55, "second": 33}
